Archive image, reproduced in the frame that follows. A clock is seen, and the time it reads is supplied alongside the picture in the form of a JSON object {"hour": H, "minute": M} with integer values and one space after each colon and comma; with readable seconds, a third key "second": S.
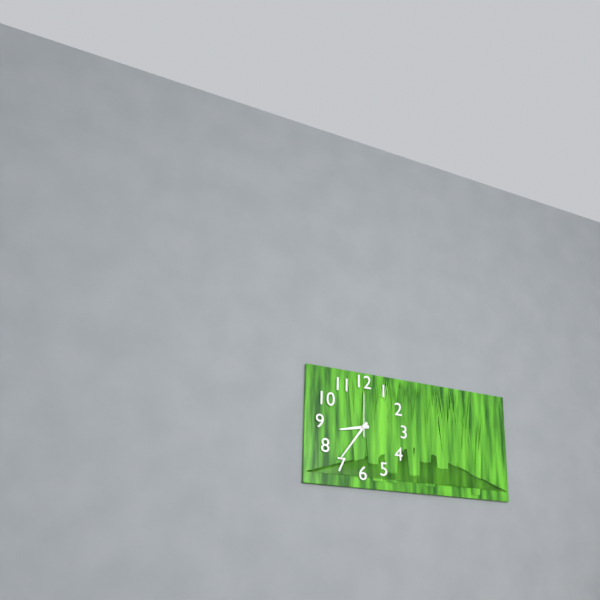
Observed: {"hour": 8, "minute": 36}
